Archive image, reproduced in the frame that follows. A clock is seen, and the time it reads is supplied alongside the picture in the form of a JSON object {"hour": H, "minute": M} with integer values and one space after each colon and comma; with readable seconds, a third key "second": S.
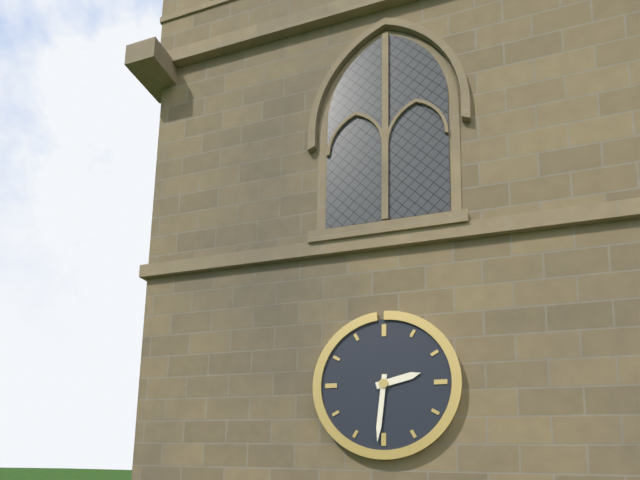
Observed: {"hour": 2, "minute": 31}
